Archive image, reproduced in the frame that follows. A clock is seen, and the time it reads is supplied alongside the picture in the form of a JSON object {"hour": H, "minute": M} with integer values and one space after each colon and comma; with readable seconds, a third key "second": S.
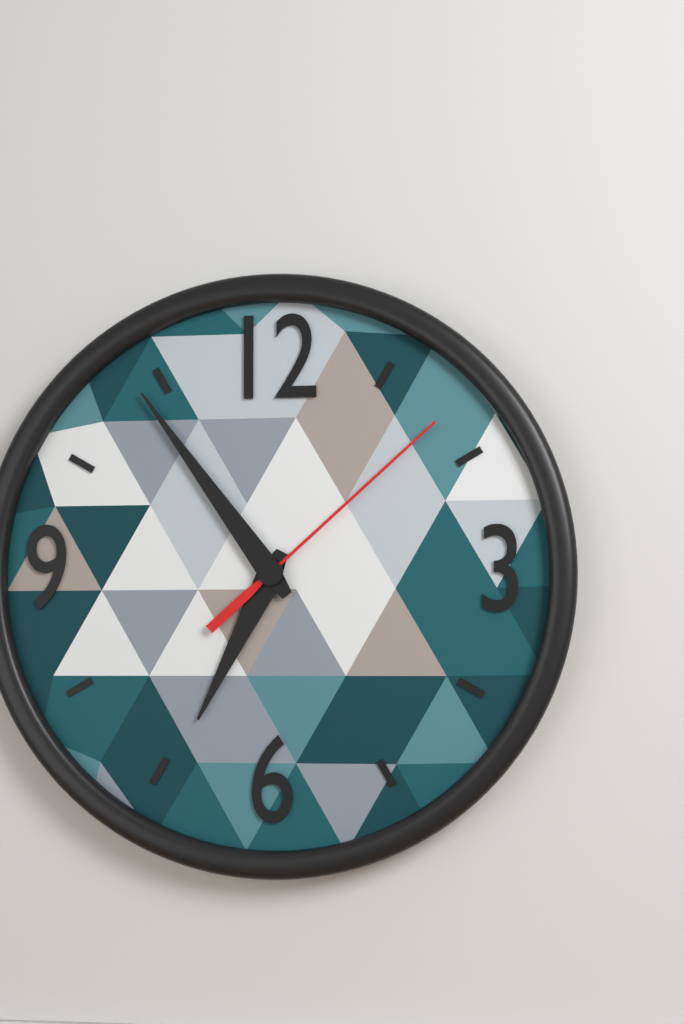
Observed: {"hour": 6, "minute": 54, "second": 8}
